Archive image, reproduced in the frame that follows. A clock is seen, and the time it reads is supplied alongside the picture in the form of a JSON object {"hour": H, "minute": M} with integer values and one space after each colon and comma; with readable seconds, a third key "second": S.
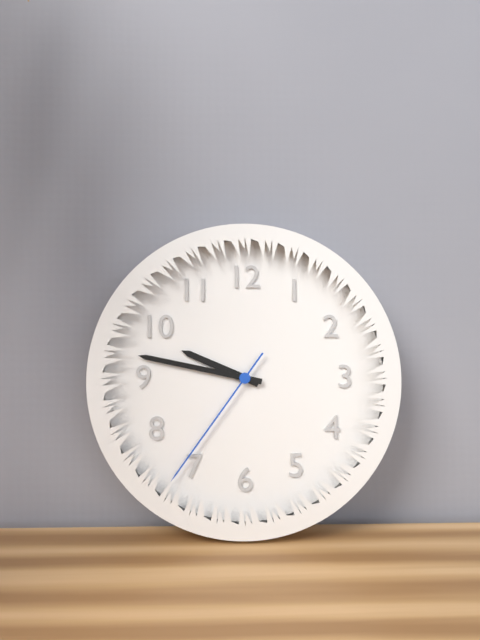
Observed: {"hour": 9, "minute": 47, "second": 36}
